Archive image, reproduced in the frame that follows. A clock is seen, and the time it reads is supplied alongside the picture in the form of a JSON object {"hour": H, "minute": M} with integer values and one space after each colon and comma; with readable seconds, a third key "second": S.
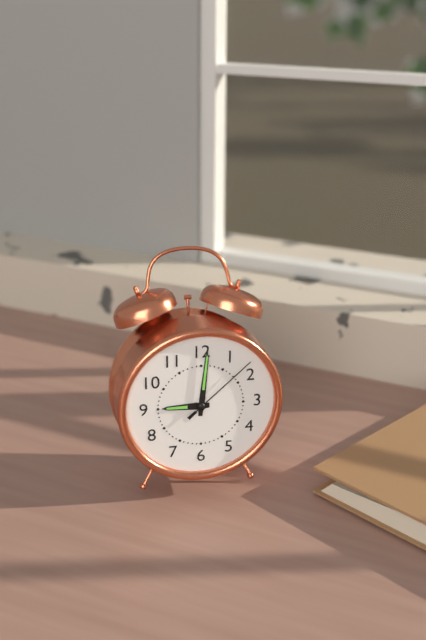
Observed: {"hour": 9, "minute": 1, "second": 8}
